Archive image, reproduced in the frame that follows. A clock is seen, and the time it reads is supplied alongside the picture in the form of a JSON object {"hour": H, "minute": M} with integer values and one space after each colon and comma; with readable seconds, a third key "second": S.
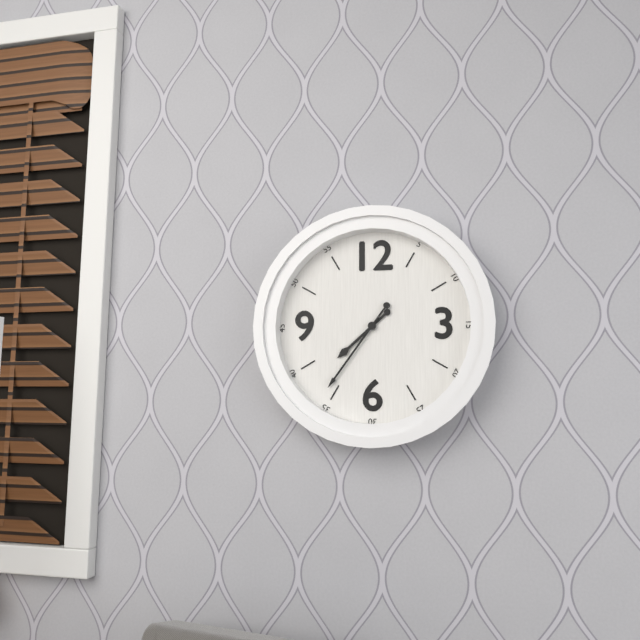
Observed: {"hour": 7, "minute": 36}
